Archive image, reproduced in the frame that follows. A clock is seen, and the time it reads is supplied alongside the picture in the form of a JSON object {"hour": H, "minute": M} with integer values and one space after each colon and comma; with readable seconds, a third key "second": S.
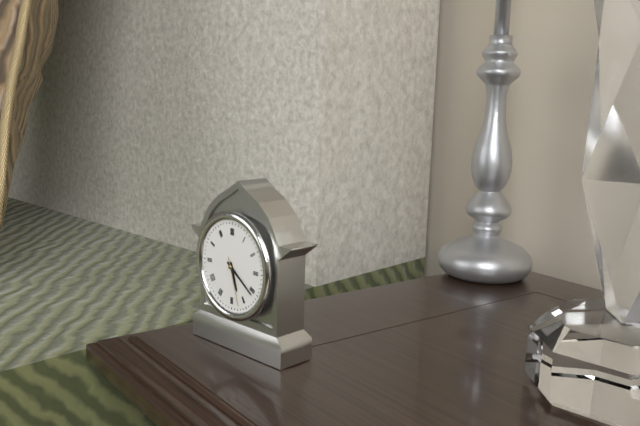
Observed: {"hour": 5, "minute": 21, "second": 27}
